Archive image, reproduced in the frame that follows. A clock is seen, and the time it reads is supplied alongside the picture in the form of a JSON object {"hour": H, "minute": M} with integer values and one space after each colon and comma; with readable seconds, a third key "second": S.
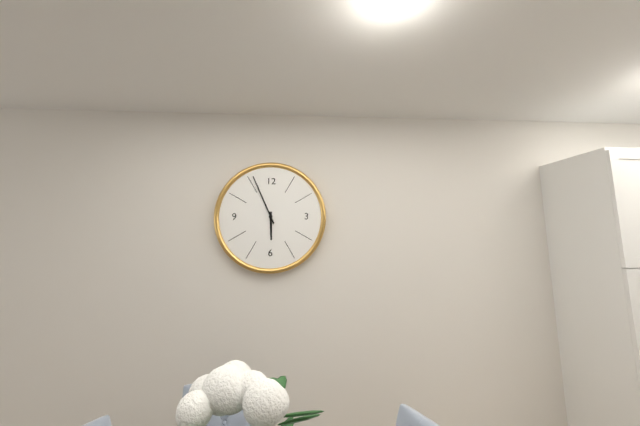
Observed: {"hour": 5, "minute": 56}
